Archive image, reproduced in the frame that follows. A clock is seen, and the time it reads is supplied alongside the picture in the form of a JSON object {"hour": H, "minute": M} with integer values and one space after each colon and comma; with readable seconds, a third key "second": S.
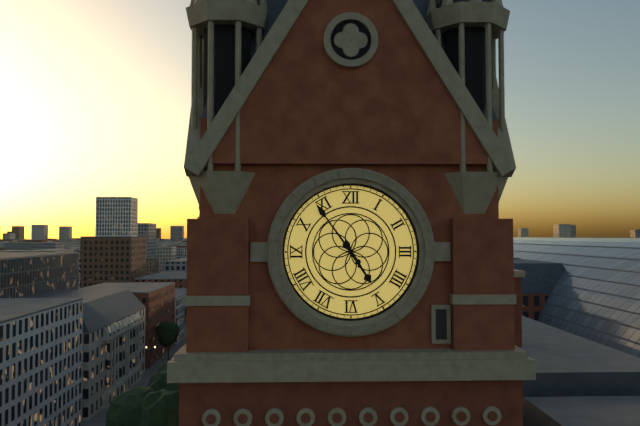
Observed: {"hour": 4, "minute": 54}
